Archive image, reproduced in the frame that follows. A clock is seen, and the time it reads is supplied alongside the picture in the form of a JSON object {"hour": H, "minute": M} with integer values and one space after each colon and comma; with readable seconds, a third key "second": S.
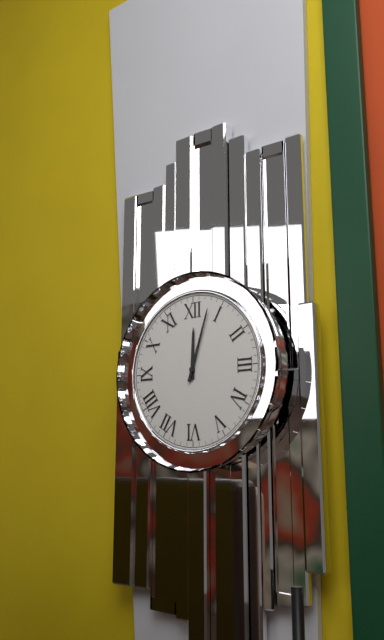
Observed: {"hour": 12, "minute": 3}
